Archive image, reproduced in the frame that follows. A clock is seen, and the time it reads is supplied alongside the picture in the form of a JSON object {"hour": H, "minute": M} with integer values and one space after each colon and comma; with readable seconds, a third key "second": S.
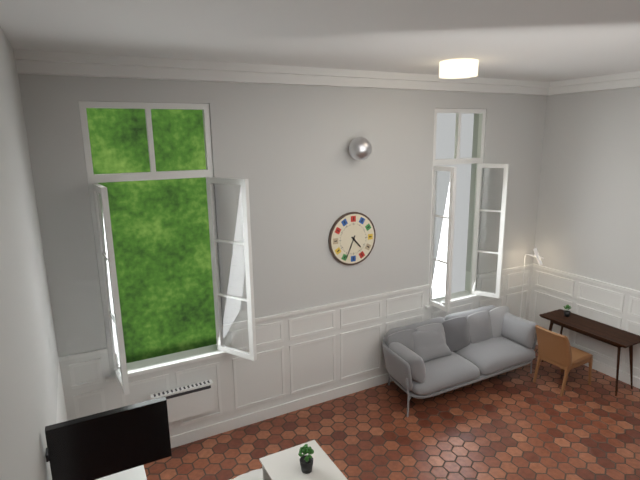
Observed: {"hour": 4, "minute": 34}
